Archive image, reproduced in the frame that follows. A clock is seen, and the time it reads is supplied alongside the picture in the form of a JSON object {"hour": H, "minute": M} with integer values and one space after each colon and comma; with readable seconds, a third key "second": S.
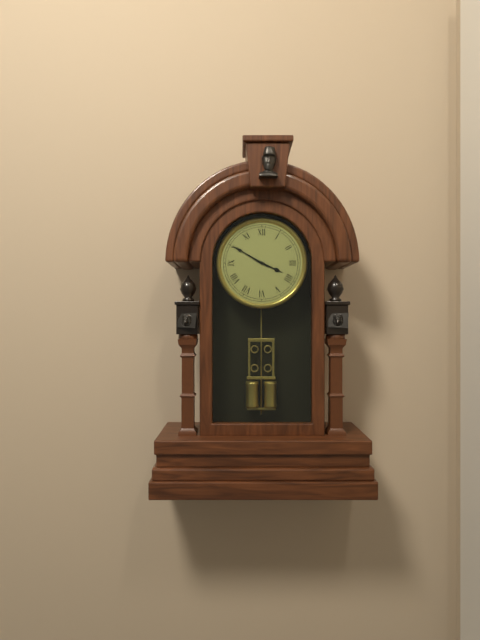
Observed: {"hour": 3, "minute": 50}
